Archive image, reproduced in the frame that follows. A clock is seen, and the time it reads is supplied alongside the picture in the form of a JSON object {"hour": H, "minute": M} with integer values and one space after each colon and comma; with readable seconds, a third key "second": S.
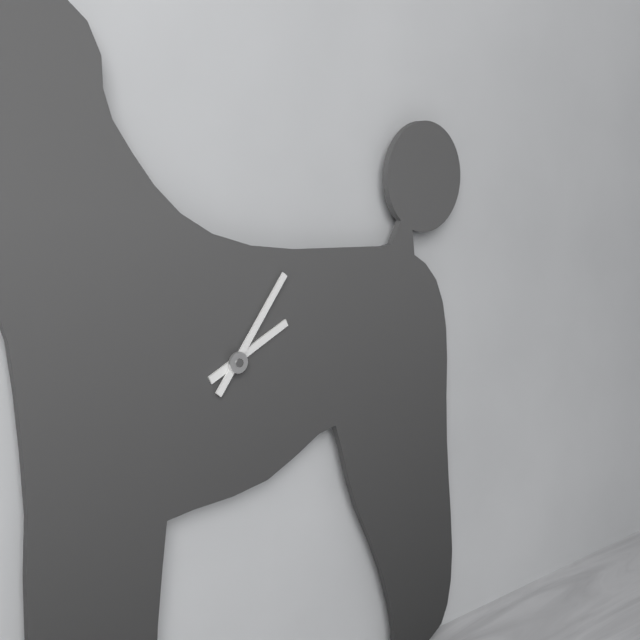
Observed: {"hour": 2, "minute": 6}
